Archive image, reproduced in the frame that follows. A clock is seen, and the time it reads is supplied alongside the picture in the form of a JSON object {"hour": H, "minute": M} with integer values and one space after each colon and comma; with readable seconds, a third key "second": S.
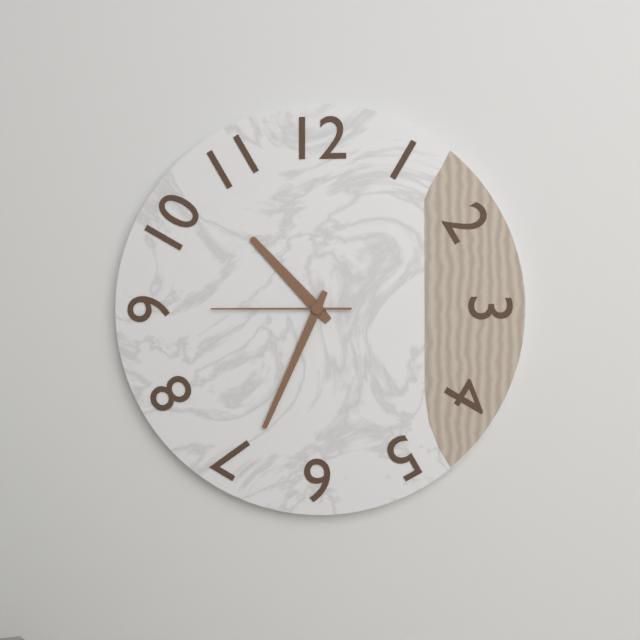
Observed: {"hour": 10, "minute": 34, "second": 45}
